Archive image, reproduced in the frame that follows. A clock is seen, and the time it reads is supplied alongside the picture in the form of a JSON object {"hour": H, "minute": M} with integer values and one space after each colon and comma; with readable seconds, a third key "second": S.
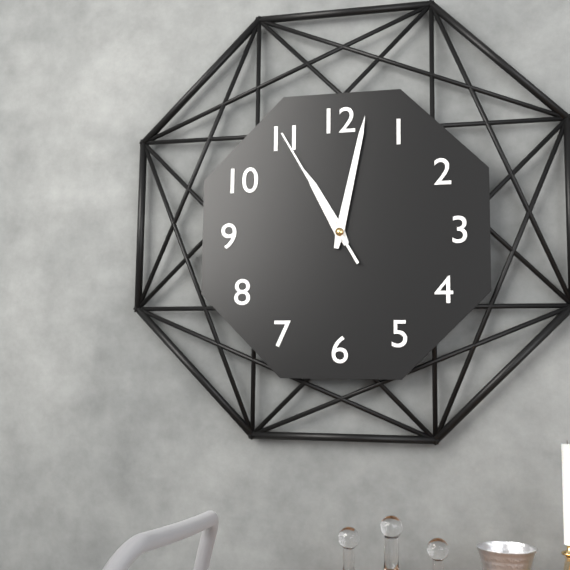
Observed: {"hour": 11, "minute": 2, "second": 55}
